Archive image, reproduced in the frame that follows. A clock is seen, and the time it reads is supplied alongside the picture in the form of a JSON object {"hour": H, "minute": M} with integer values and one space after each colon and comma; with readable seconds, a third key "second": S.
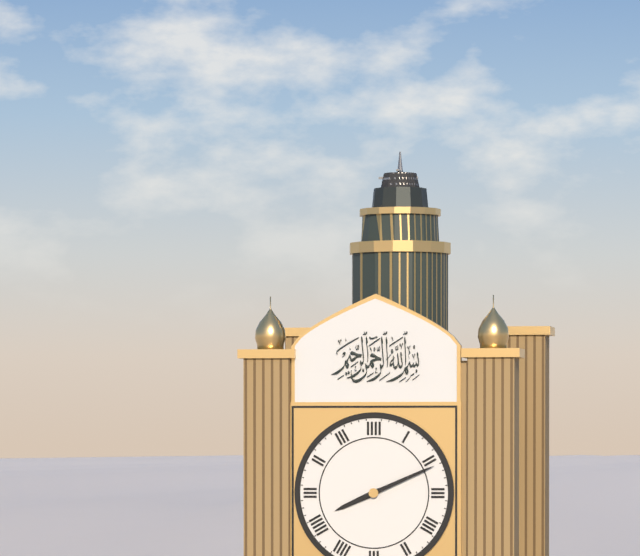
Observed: {"hour": 8, "minute": 11}
